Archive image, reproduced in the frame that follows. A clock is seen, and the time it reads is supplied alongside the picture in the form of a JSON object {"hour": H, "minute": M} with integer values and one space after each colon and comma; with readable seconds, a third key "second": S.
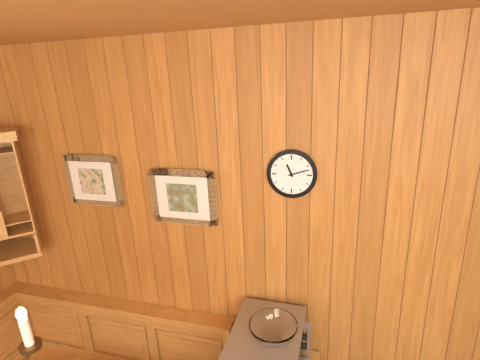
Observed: {"hour": 11, "minute": 12}
